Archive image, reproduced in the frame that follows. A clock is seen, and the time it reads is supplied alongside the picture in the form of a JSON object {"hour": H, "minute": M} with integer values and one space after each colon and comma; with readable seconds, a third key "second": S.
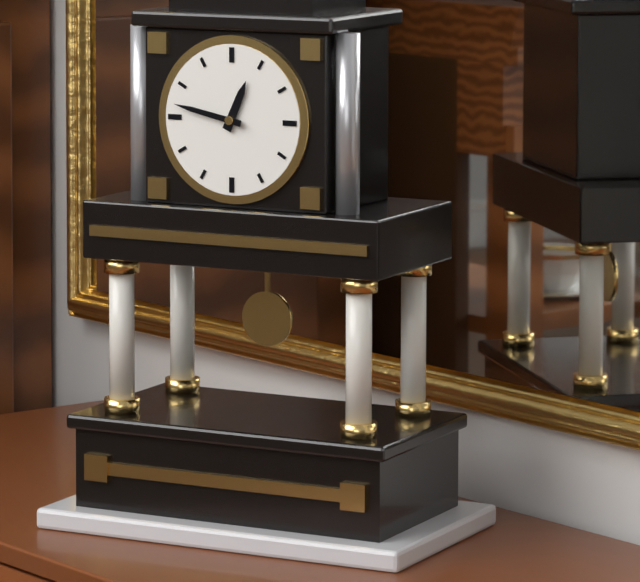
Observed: {"hour": 12, "minute": 47}
